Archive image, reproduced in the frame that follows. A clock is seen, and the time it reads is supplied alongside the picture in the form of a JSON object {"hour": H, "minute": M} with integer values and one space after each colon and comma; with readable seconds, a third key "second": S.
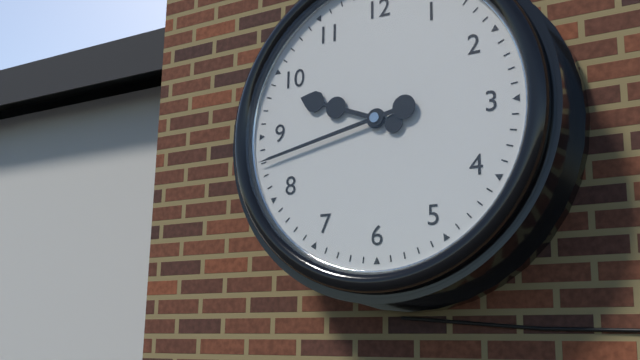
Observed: {"hour": 9, "minute": 43}
